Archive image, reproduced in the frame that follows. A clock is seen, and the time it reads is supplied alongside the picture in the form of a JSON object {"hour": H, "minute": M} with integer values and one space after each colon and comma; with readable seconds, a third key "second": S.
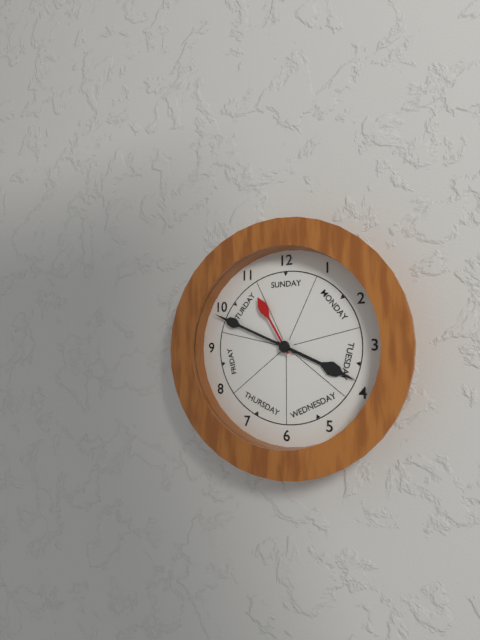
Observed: {"hour": 3, "minute": 49, "second": 55}
